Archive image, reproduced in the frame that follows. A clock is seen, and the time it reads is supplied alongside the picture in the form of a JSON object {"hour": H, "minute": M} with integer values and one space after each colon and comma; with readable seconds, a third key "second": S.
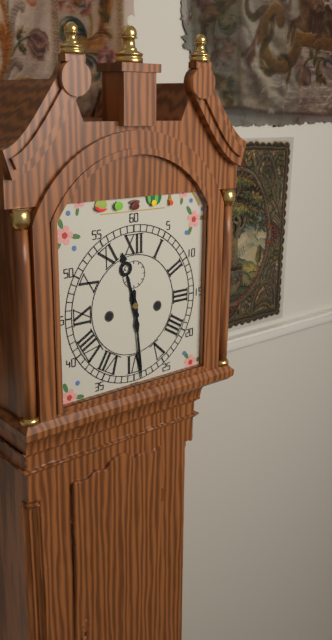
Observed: {"hour": 11, "minute": 29}
